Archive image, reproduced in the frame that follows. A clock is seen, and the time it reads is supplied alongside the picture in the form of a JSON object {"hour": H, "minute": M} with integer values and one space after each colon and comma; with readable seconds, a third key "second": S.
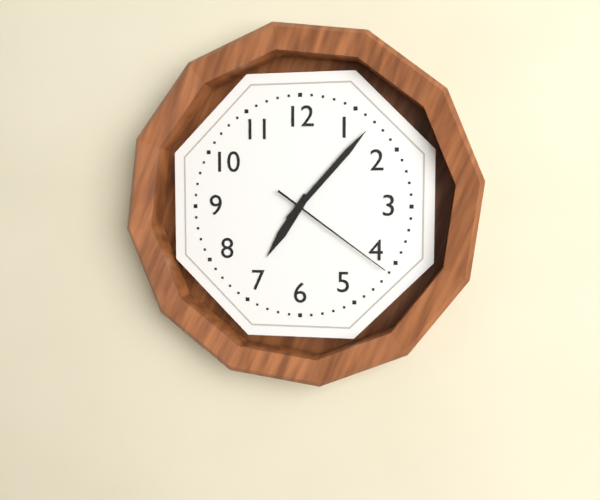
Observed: {"hour": 7, "minute": 7, "second": 21}
